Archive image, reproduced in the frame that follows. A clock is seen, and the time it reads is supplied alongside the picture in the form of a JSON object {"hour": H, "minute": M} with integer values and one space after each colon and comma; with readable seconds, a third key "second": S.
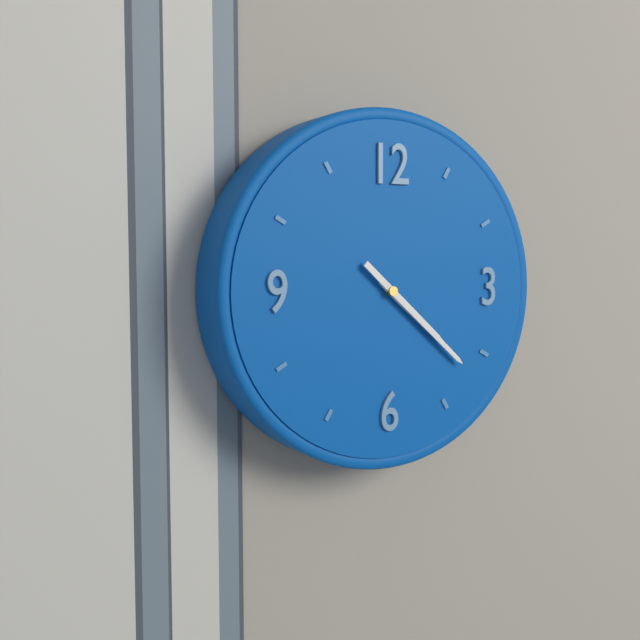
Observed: {"hour": 4, "minute": 22}
